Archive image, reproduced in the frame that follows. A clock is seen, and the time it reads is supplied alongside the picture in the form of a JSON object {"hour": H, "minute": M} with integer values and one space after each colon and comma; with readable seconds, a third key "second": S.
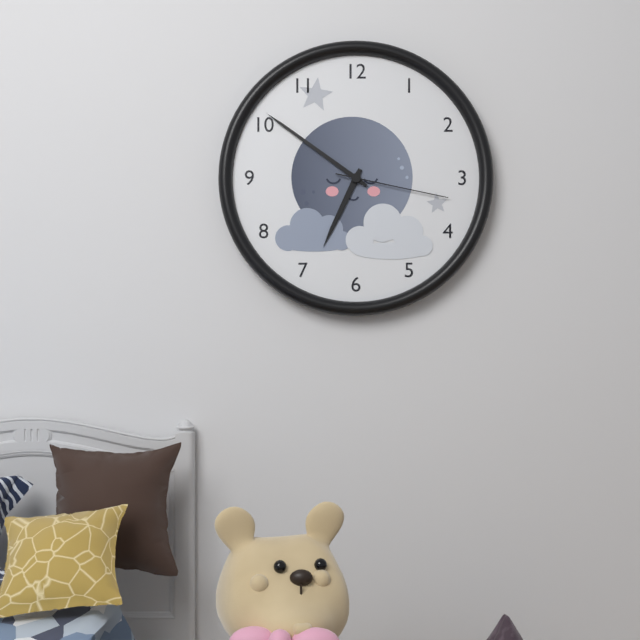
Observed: {"hour": 6, "minute": 51, "second": 17}
